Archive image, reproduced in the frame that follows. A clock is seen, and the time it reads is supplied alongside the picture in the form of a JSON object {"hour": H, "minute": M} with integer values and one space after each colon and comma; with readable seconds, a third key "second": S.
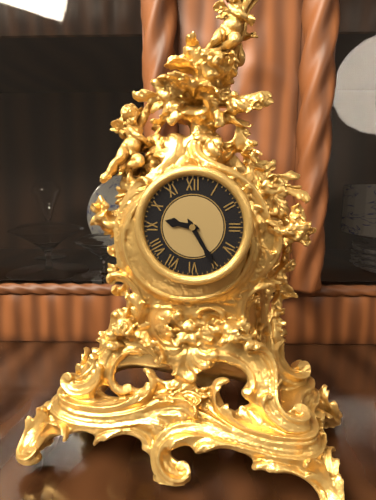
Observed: {"hour": 9, "minute": 25}
